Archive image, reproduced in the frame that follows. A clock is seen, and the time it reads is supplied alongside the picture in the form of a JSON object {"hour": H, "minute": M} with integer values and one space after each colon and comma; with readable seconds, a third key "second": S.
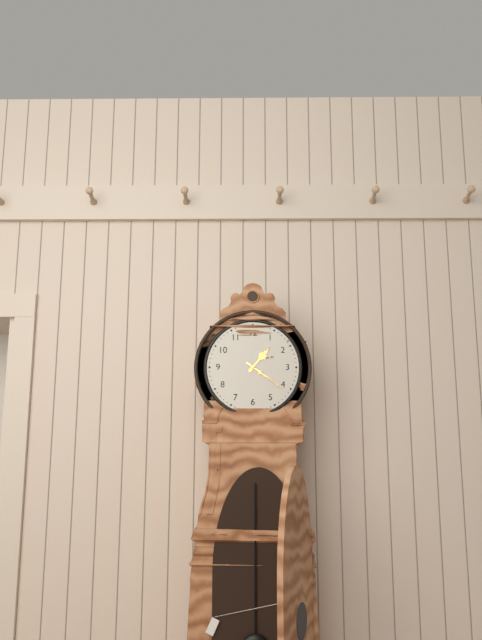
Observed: {"hour": 1, "minute": 21}
